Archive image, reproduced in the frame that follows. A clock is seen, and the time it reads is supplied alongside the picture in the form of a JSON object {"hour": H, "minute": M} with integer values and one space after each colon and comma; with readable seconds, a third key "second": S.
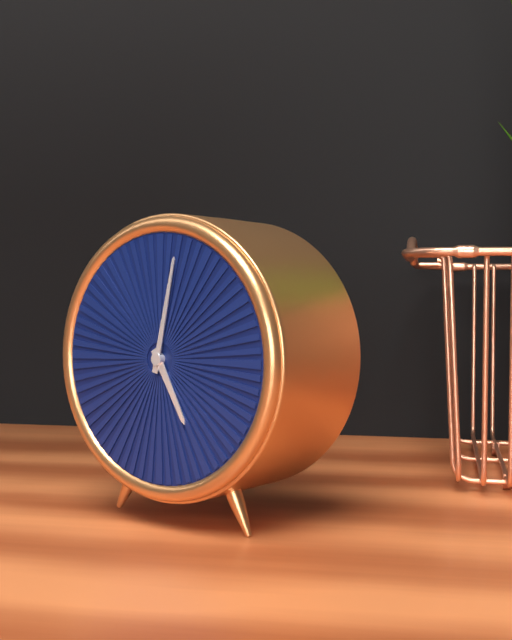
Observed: {"hour": 5, "minute": 2}
